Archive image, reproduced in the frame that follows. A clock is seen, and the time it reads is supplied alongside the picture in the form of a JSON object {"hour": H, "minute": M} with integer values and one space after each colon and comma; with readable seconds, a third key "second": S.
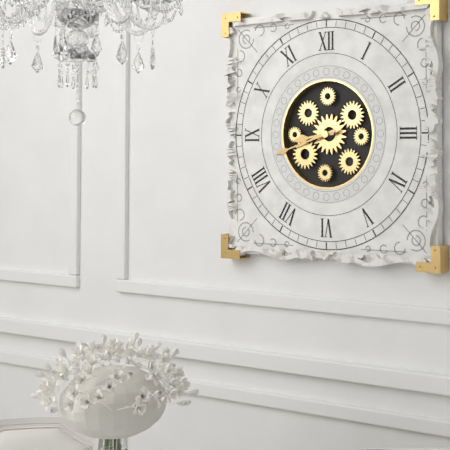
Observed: {"hour": 8, "minute": 42}
